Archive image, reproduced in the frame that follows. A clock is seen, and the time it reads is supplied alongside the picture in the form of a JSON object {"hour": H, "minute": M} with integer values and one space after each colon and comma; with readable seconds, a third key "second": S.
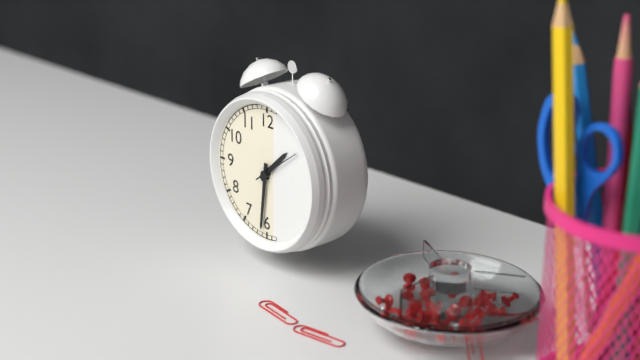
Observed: {"hour": 1, "minute": 31}
